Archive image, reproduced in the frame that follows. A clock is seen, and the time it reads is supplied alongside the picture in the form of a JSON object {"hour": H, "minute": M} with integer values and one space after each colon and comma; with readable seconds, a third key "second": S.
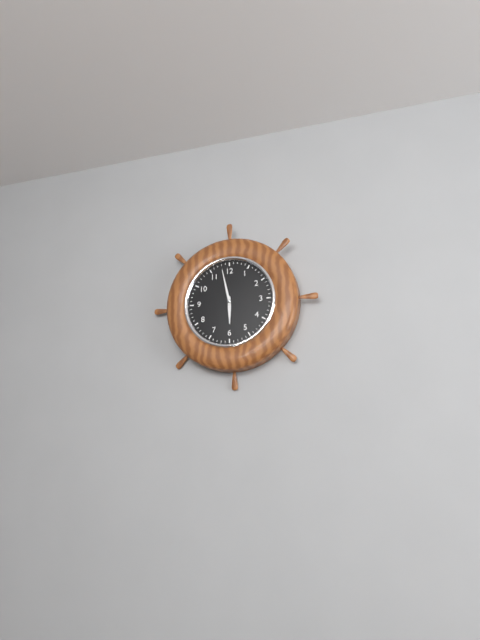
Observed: {"hour": 5, "minute": 58}
